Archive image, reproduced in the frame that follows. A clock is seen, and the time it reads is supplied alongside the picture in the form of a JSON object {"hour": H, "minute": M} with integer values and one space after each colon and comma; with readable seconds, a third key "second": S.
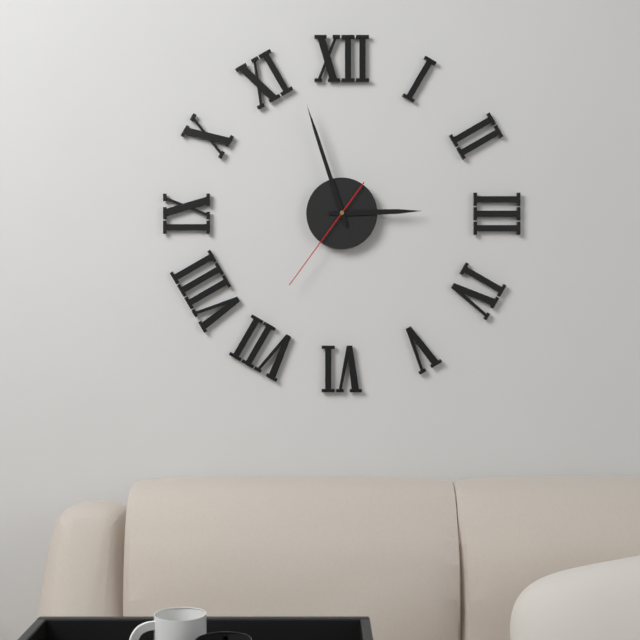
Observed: {"hour": 2, "minute": 57, "second": 36}
